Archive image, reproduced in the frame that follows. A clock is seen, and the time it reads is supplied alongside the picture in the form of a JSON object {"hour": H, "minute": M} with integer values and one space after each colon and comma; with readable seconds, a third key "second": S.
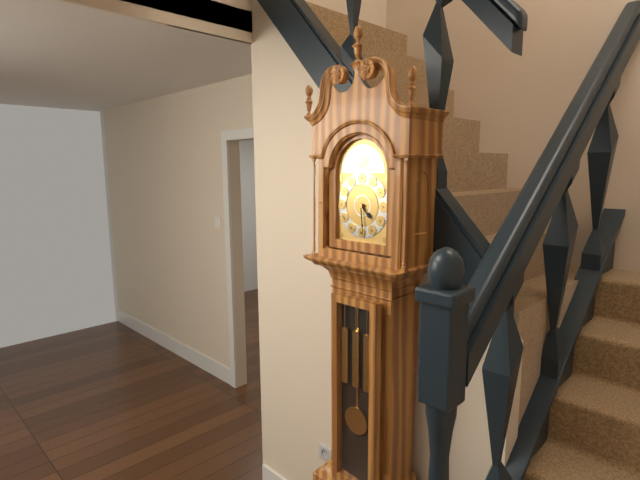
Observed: {"hour": 4, "minute": 29}
